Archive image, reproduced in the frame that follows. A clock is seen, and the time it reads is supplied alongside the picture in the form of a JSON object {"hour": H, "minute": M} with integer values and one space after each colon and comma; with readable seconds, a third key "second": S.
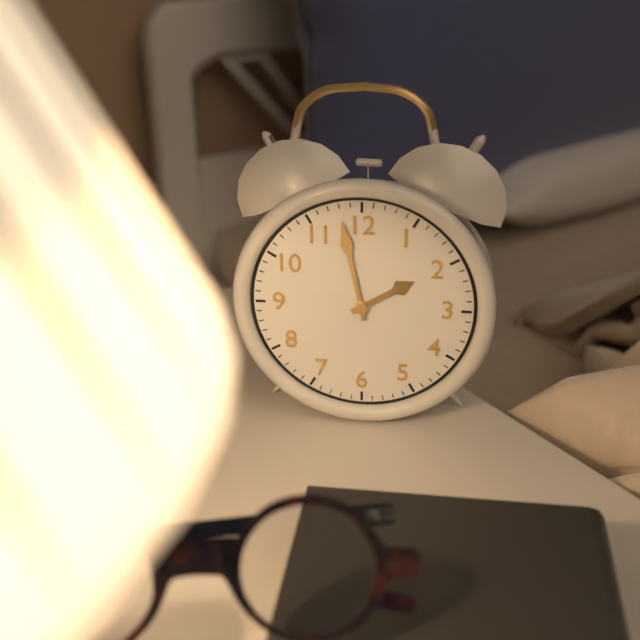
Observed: {"hour": 1, "minute": 58}
